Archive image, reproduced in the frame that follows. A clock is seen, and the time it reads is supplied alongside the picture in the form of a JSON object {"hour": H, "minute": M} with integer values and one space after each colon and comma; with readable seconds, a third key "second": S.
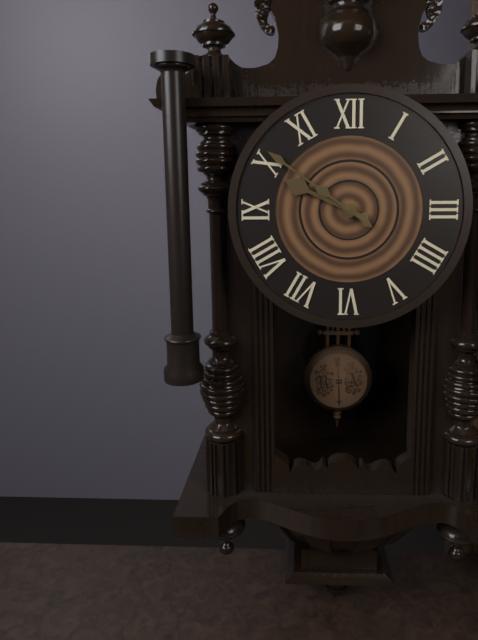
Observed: {"hour": 9, "minute": 51}
